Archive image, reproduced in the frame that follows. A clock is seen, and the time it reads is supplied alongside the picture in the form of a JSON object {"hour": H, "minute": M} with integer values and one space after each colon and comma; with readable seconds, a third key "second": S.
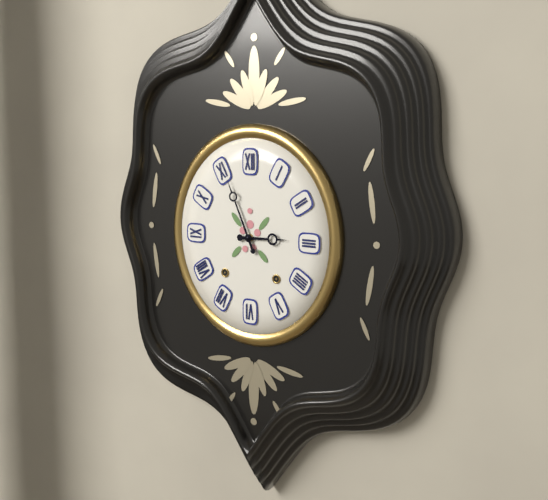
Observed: {"hour": 2, "minute": 56}
